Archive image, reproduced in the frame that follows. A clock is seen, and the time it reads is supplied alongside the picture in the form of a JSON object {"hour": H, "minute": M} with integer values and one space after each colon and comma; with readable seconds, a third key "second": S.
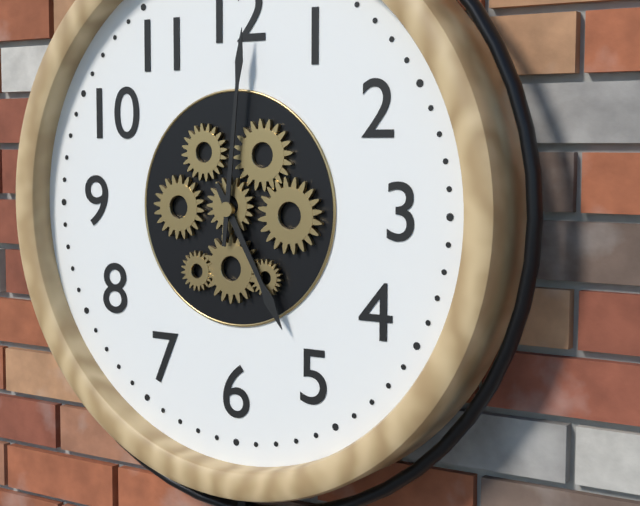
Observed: {"hour": 5, "minute": 1}
